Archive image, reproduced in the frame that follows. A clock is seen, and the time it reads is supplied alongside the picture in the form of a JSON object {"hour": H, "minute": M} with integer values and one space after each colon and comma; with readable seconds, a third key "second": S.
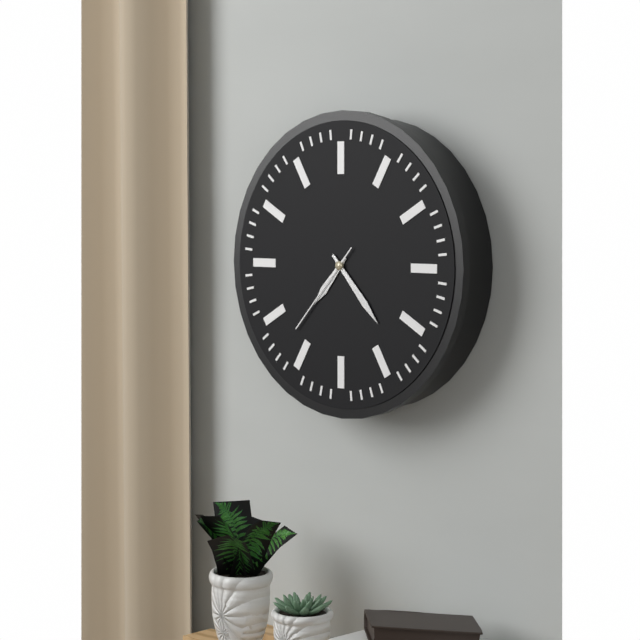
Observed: {"hour": 7, "minute": 23, "second": 37}
